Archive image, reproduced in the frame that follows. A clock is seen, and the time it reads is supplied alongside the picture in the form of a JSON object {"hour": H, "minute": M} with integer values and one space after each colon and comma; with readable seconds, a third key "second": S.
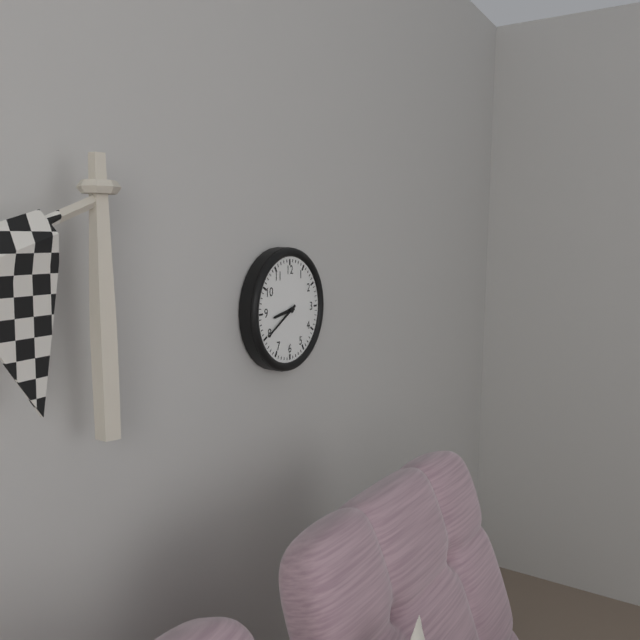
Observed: {"hour": 8, "minute": 40}
